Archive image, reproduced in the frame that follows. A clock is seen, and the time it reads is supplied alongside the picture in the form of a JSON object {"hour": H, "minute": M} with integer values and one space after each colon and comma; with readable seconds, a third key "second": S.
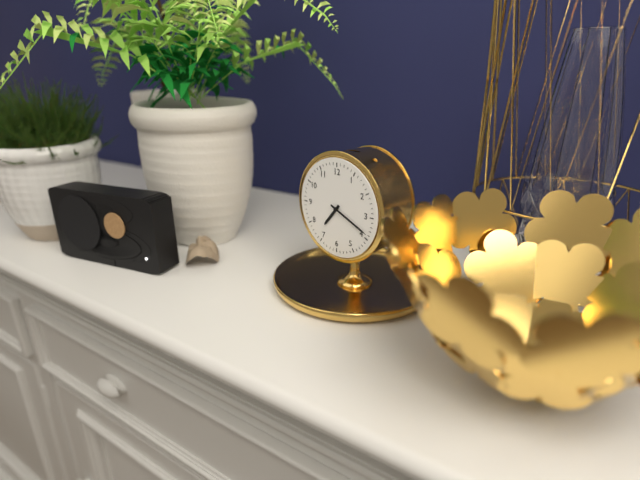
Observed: {"hour": 7, "minute": 19}
